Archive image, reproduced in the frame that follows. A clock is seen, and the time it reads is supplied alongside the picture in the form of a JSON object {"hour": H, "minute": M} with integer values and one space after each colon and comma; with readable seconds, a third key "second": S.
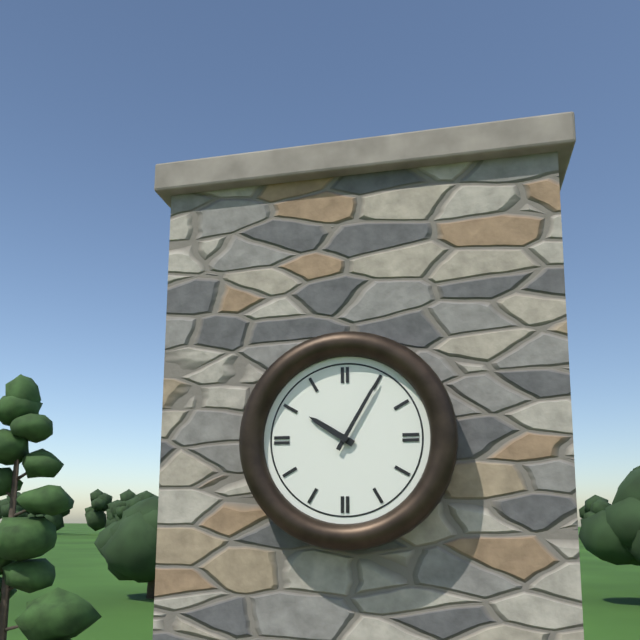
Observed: {"hour": 10, "minute": 5}
